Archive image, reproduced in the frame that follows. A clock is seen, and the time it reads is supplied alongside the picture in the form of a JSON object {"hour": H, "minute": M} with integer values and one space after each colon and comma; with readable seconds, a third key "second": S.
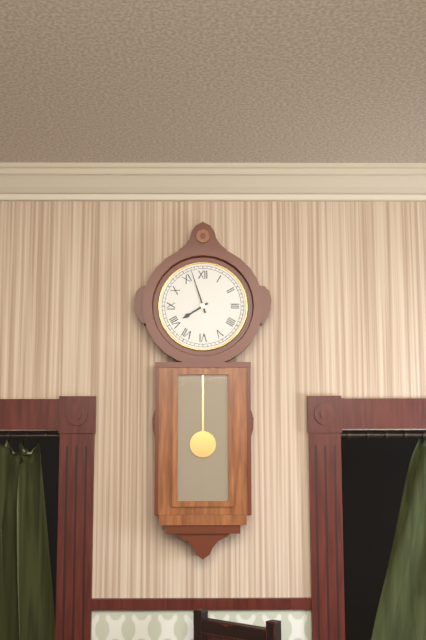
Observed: {"hour": 7, "minute": 57}
